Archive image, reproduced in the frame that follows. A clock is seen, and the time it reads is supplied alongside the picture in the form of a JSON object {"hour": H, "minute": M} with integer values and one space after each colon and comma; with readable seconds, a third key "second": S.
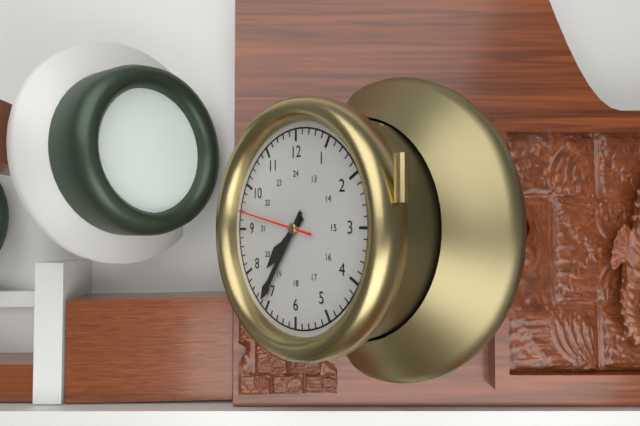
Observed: {"hour": 7, "minute": 36, "second": 47}
